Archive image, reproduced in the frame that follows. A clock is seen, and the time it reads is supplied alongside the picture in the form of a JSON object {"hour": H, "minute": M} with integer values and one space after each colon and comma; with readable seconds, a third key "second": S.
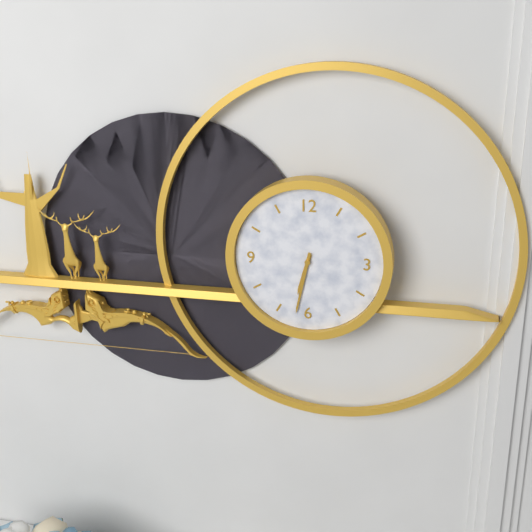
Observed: {"hour": 6, "minute": 32}
